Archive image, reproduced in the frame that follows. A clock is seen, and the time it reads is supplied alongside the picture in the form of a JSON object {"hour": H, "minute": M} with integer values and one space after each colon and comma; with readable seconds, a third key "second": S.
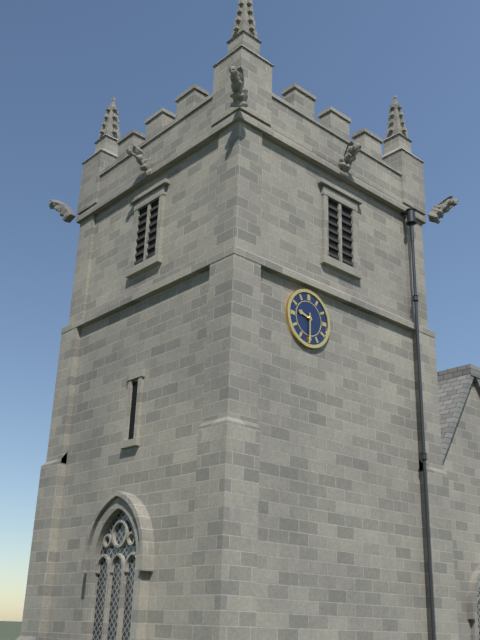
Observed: {"hour": 9, "minute": 30}
